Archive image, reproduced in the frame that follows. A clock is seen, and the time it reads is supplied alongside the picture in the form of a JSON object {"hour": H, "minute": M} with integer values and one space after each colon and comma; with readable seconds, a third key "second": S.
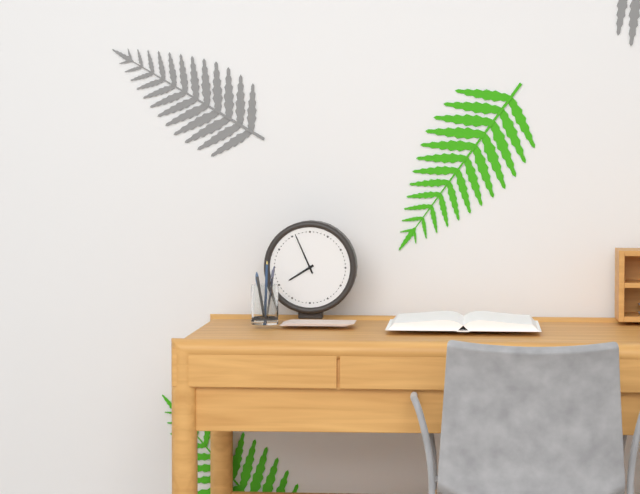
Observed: {"hour": 7, "minute": 56}
